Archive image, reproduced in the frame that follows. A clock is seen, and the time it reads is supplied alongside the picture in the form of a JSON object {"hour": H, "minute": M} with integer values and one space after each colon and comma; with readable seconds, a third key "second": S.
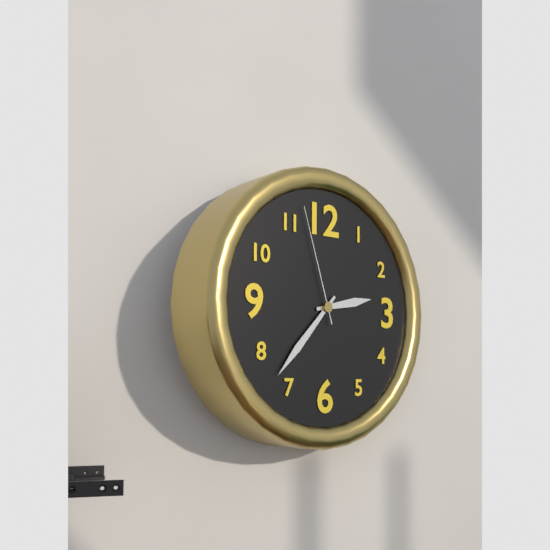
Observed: {"hour": 2, "minute": 37, "second": 57}
